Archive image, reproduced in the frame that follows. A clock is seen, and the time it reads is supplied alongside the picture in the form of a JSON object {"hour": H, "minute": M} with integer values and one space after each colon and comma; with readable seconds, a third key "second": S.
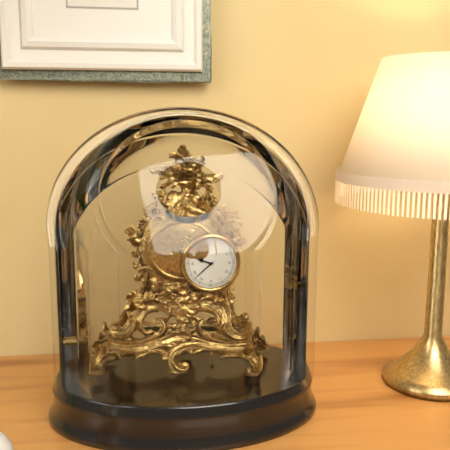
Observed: {"hour": 9, "minute": 38}
